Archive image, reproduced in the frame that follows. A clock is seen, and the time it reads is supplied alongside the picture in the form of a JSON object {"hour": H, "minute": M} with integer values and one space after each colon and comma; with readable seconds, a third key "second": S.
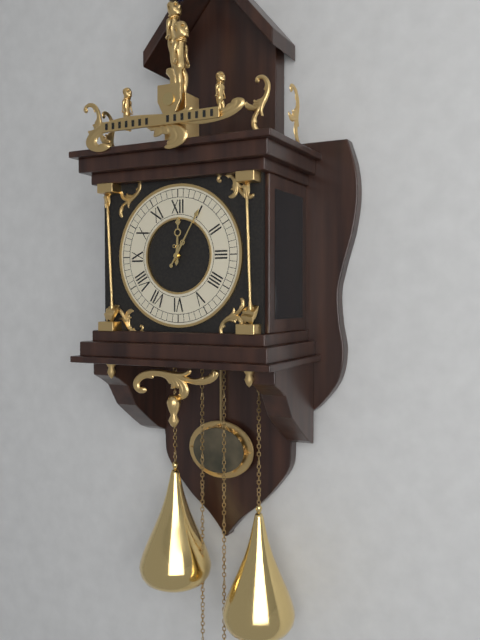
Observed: {"hour": 12, "minute": 5}
